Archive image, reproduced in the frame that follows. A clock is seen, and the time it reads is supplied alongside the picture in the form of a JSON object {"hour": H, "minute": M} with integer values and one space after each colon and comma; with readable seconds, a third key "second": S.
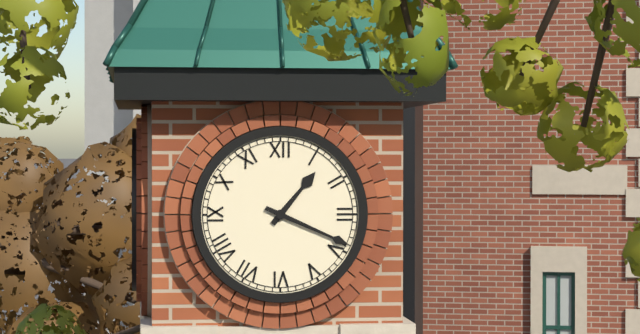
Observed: {"hour": 1, "minute": 19}
